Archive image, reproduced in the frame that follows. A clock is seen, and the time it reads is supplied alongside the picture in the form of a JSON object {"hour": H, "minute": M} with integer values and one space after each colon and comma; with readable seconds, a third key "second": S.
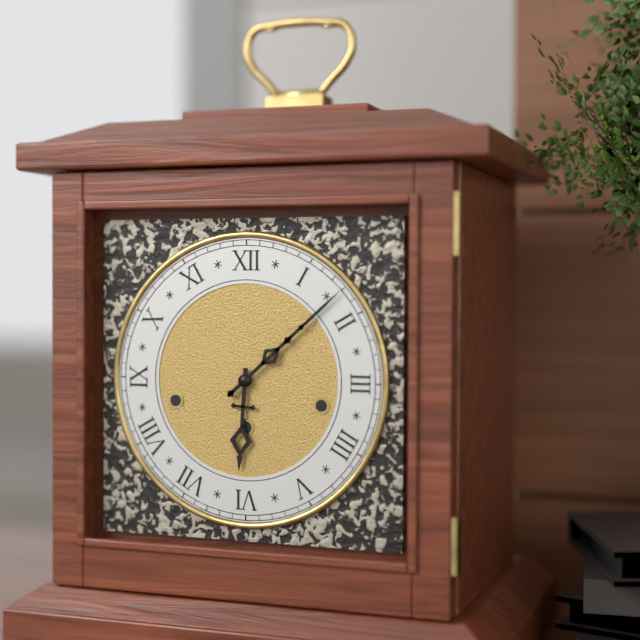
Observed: {"hour": 6, "minute": 8}
